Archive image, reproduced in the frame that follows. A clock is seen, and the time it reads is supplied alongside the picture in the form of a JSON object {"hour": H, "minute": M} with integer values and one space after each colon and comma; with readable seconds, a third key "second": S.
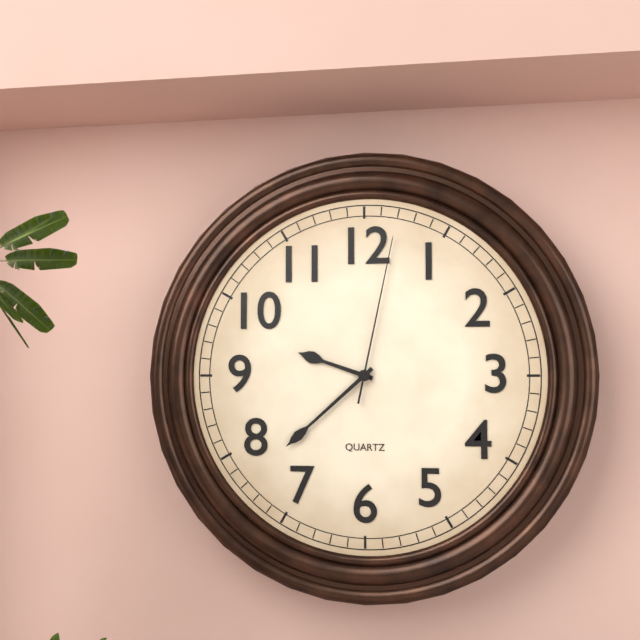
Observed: {"hour": 9, "minute": 38, "second": 2}
